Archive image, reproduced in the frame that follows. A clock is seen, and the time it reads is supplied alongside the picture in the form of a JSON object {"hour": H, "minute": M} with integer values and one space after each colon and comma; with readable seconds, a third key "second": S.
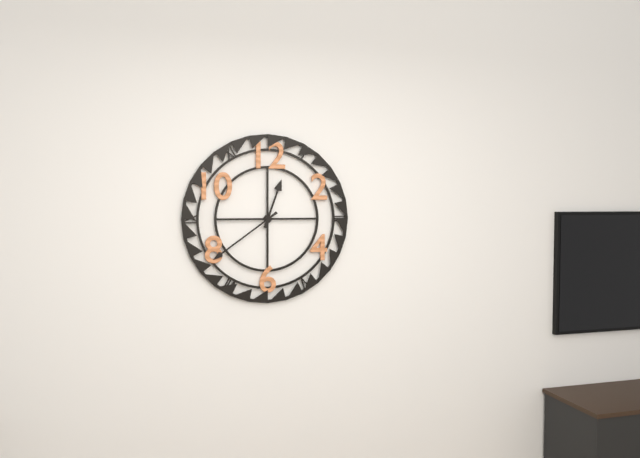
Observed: {"hour": 12, "minute": 39}
